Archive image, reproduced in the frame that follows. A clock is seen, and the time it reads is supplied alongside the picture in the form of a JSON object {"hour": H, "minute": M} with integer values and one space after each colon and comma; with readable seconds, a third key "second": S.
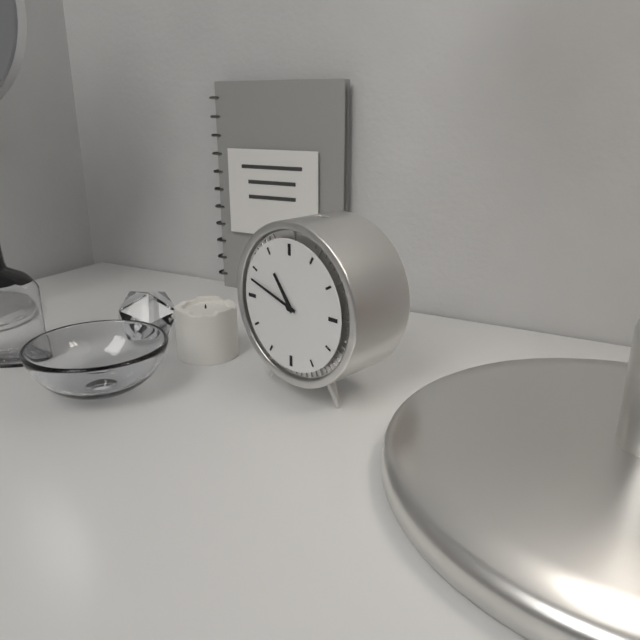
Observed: {"hour": 10, "minute": 48}
